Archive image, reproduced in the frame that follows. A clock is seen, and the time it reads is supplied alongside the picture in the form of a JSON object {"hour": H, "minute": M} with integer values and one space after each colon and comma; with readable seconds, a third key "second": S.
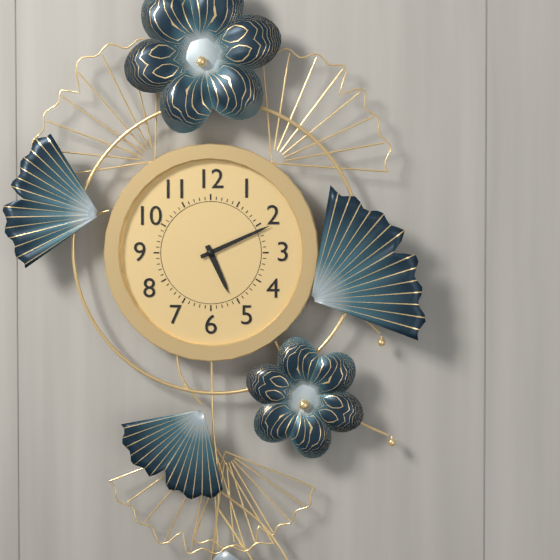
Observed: {"hour": 5, "minute": 11}
